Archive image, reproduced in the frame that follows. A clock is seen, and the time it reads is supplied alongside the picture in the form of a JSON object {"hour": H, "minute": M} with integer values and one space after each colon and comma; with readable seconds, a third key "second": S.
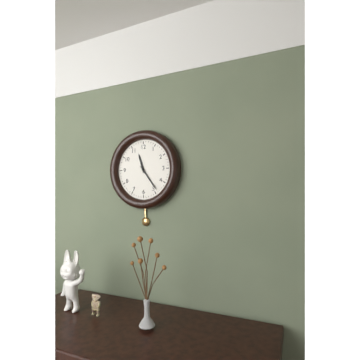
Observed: {"hour": 11, "minute": 24}
